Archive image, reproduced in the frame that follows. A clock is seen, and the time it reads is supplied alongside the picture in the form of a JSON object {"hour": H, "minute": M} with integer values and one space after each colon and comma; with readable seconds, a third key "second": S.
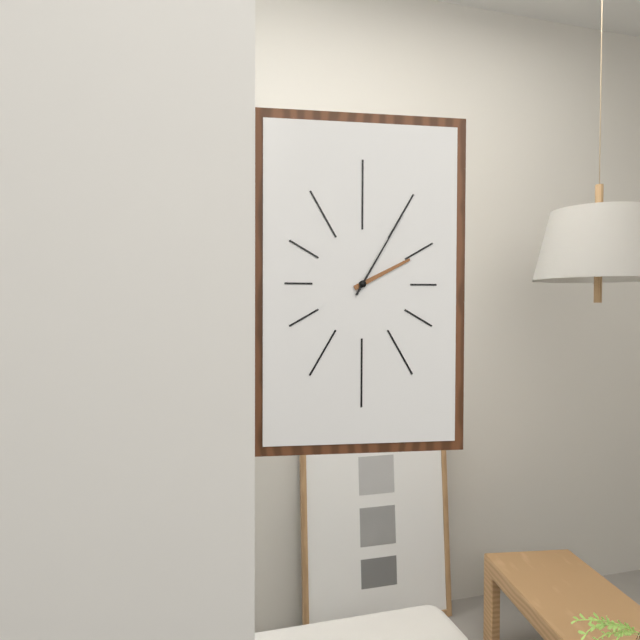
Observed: {"hour": 2, "minute": 5}
